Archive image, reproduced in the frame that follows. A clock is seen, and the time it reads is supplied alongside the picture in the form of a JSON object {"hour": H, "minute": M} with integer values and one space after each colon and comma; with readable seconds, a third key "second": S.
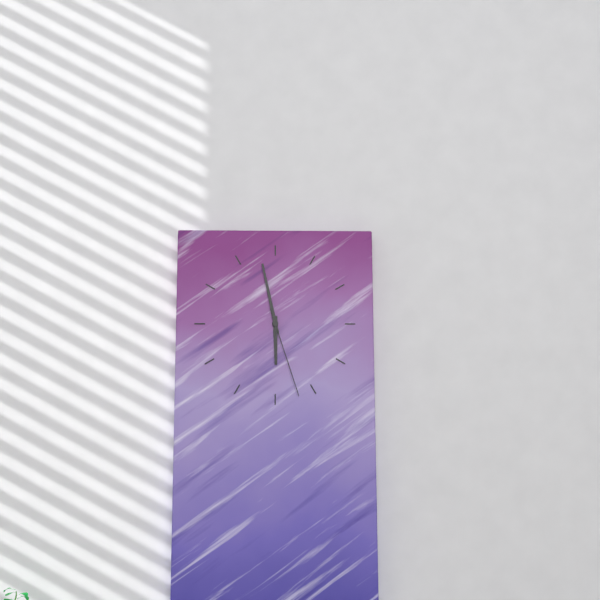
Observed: {"hour": 5, "minute": 58, "second": 27}
